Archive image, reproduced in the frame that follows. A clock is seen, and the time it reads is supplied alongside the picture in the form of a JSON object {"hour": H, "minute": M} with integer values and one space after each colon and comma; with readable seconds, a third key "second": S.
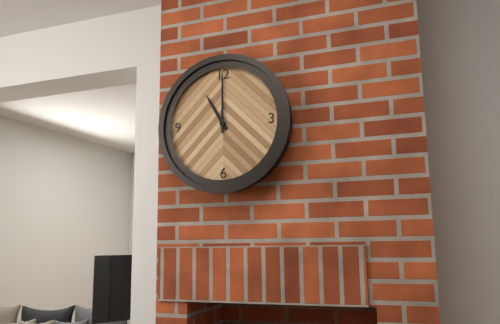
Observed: {"hour": 11, "minute": 0}
